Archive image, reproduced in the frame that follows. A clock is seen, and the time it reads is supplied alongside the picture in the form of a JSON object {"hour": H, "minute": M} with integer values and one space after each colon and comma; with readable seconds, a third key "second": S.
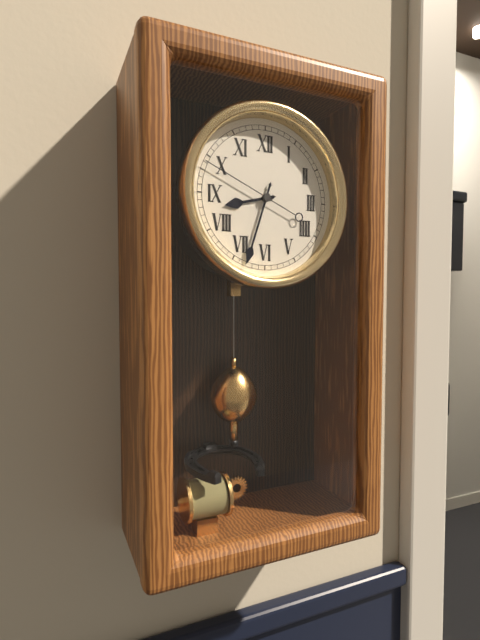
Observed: {"hour": 8, "minute": 33, "second": 49}
